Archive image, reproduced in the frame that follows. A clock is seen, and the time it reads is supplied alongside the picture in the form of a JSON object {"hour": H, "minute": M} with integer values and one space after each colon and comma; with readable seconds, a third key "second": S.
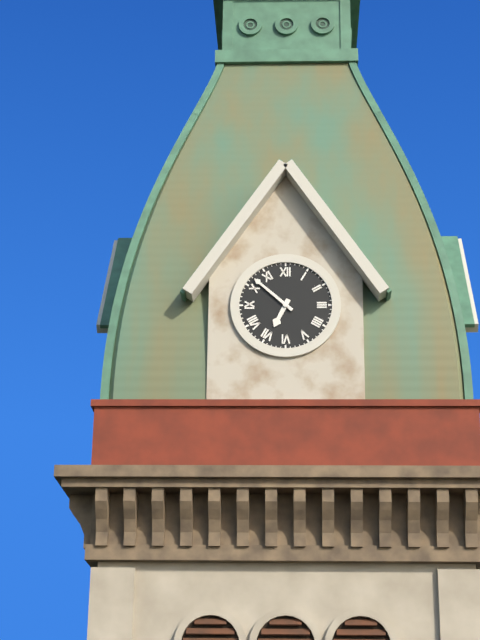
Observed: {"hour": 6, "minute": 52}
